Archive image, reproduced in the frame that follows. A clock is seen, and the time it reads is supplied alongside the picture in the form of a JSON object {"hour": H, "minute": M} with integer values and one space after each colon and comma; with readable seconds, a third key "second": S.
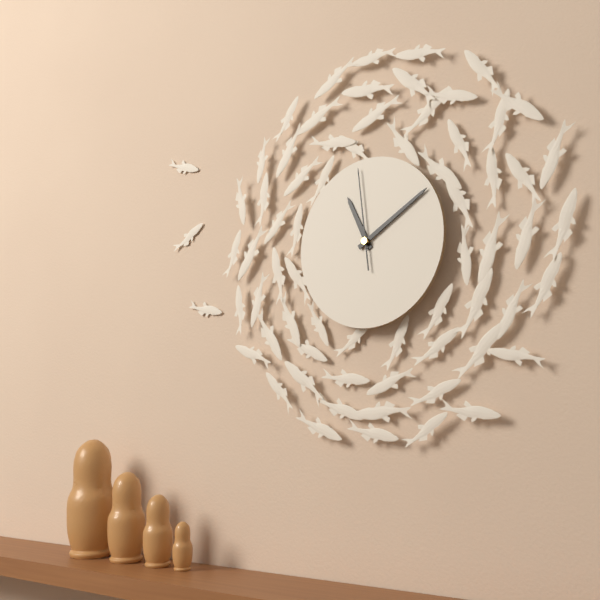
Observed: {"hour": 11, "minute": 10, "second": 59}
